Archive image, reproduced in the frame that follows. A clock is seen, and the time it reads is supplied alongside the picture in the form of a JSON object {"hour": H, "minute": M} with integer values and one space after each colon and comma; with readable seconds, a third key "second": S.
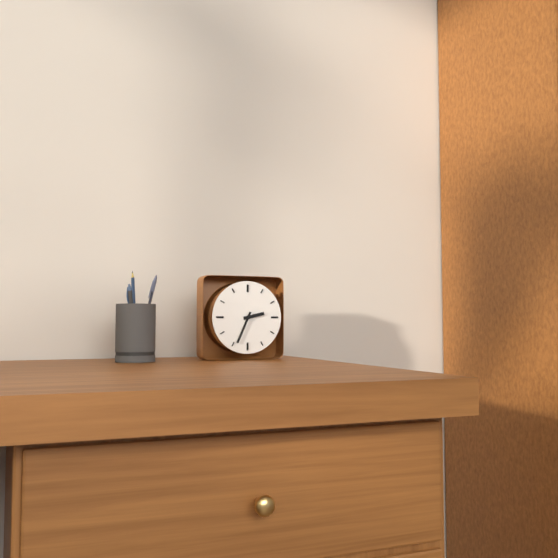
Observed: {"hour": 2, "minute": 34}
